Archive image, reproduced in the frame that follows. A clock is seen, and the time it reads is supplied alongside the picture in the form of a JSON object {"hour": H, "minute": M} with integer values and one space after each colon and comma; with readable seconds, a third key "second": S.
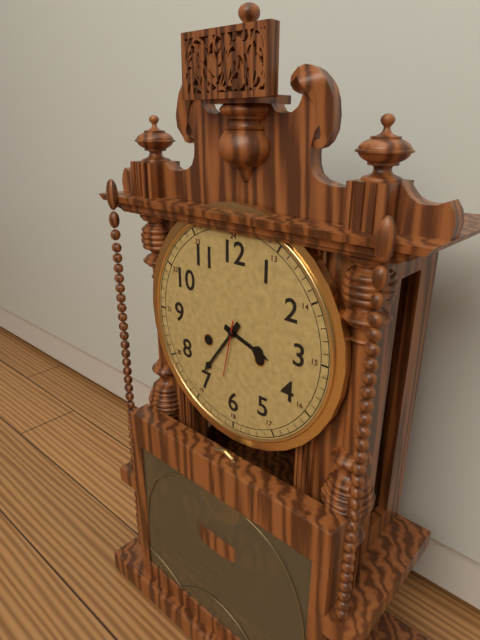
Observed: {"hour": 3, "minute": 36, "second": 32}
